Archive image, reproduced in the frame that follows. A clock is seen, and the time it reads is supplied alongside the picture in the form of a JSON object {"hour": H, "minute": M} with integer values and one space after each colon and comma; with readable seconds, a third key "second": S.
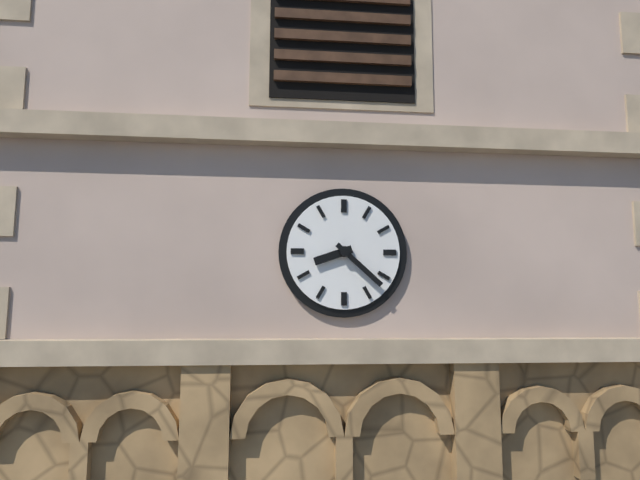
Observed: {"hour": 8, "minute": 22}
